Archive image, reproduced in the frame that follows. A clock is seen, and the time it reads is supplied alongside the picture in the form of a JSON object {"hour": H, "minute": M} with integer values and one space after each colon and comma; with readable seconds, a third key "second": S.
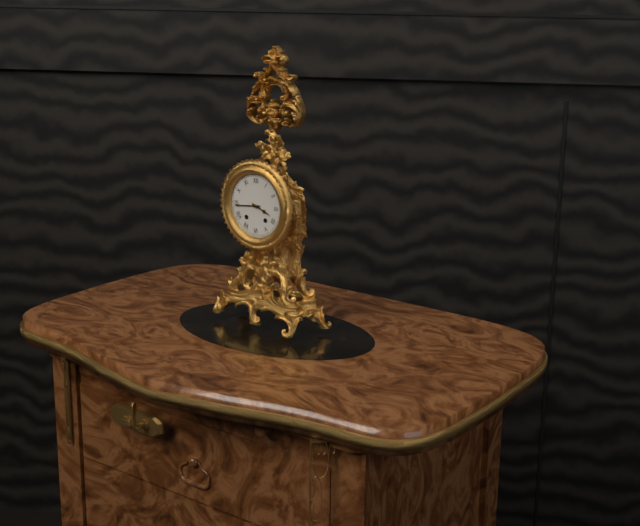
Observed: {"hour": 3, "minute": 44}
